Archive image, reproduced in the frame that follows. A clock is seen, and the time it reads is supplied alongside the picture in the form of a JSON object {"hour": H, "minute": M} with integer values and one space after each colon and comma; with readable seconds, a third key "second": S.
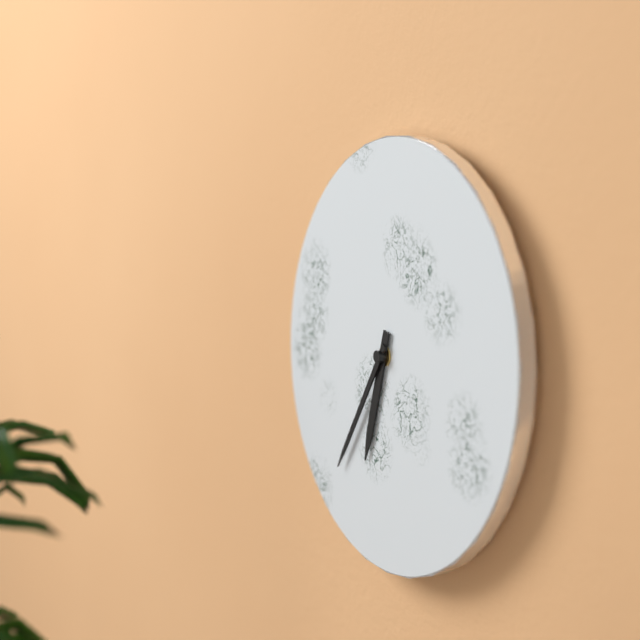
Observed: {"hour": 6, "minute": 36}
